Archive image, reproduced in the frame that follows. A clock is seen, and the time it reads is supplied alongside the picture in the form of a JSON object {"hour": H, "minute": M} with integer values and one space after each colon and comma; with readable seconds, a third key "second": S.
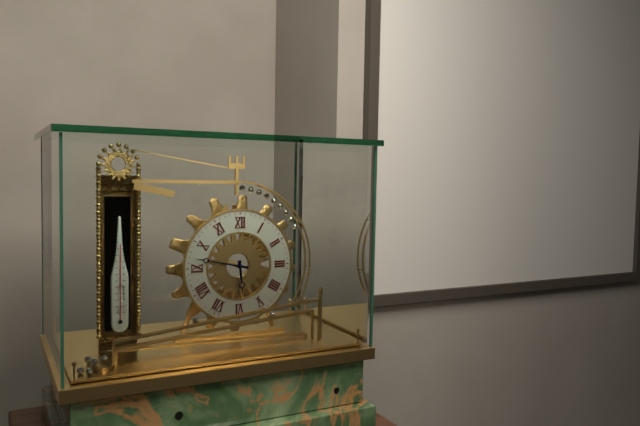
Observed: {"hour": 5, "minute": 47}
